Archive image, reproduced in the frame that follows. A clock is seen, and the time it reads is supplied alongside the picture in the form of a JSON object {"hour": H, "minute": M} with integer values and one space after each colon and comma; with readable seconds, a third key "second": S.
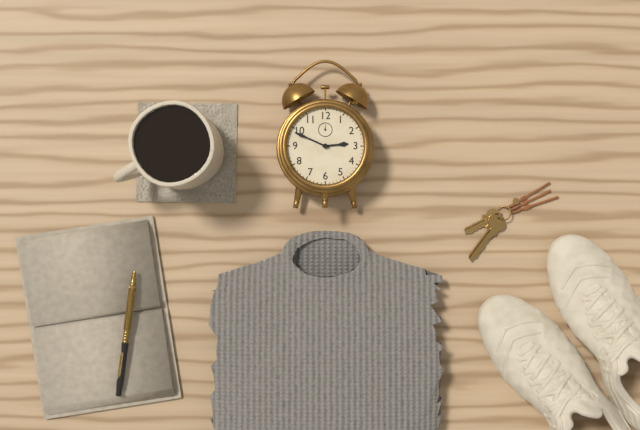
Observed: {"hour": 2, "minute": 49}
